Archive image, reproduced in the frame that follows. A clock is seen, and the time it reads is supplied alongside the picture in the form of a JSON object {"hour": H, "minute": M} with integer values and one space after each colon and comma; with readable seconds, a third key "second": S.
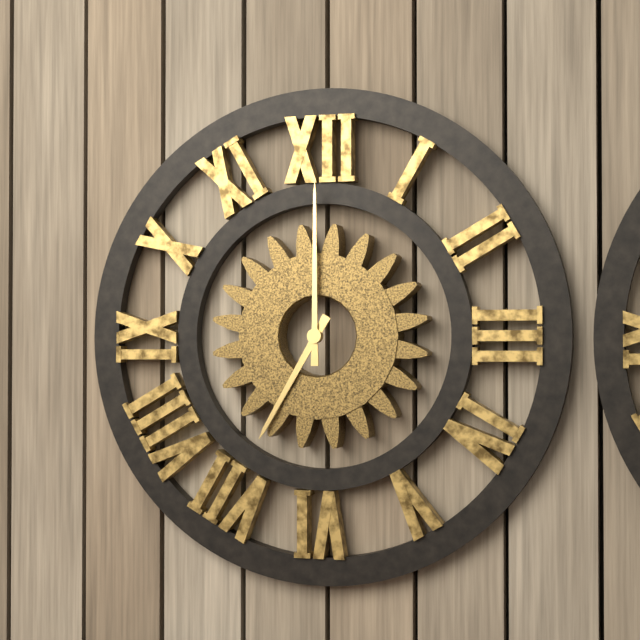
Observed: {"hour": 7, "minute": 0}
